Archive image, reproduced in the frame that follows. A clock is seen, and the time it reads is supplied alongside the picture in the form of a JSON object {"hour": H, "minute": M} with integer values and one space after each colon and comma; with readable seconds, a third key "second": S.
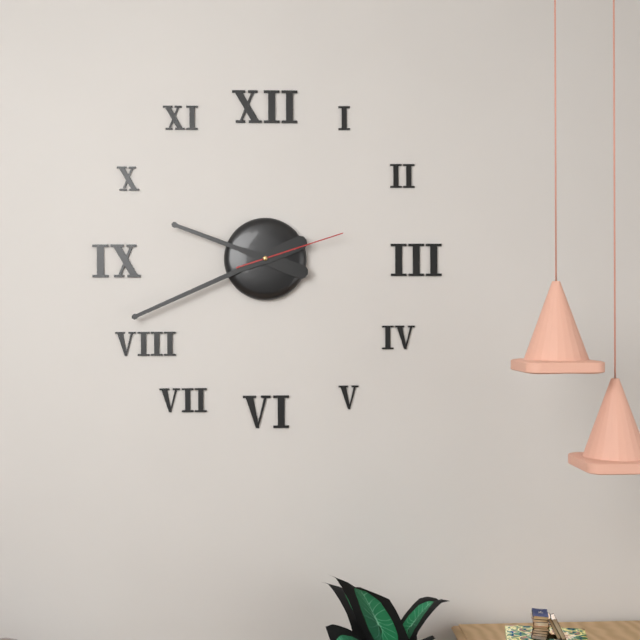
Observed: {"hour": 9, "minute": 41, "second": 12}
